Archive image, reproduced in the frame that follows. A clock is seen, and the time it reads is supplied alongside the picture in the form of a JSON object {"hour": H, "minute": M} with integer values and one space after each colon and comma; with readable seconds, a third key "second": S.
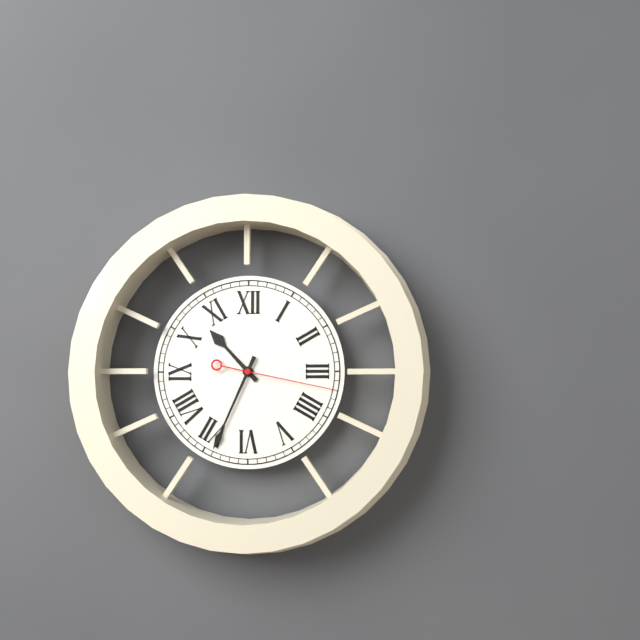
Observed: {"hour": 10, "minute": 34, "second": 17}
